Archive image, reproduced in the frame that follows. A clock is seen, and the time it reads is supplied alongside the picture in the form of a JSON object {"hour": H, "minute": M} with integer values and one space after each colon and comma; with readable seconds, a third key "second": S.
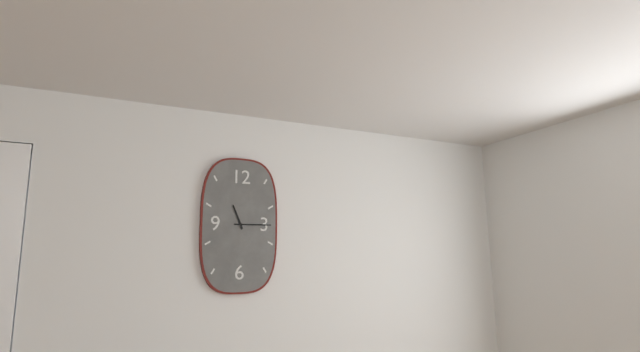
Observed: {"hour": 11, "minute": 15}
